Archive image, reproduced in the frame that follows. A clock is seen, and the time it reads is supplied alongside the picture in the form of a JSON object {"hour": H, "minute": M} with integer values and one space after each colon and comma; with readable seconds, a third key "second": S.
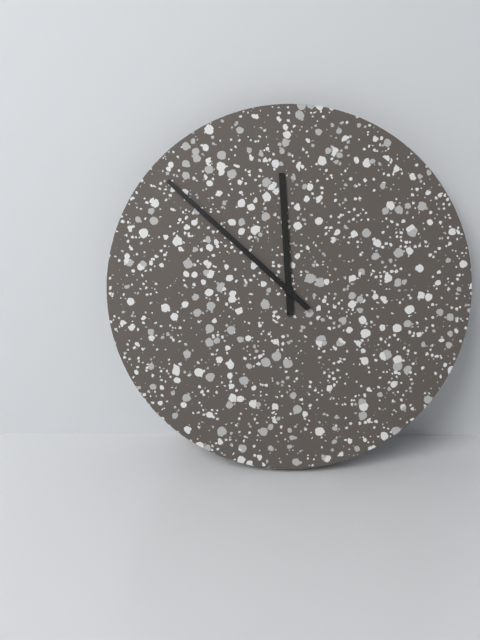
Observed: {"hour": 11, "minute": 52}
